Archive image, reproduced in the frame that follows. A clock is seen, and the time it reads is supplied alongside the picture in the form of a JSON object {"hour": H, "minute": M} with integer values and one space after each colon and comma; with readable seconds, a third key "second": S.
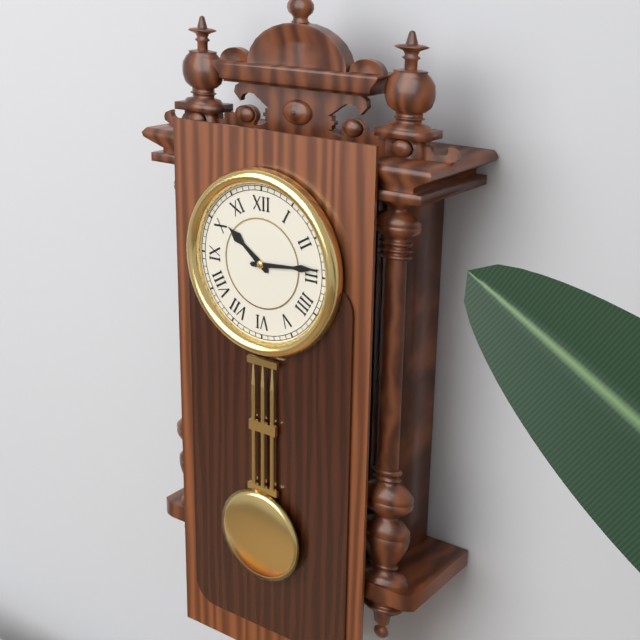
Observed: {"hour": 10, "minute": 14}
